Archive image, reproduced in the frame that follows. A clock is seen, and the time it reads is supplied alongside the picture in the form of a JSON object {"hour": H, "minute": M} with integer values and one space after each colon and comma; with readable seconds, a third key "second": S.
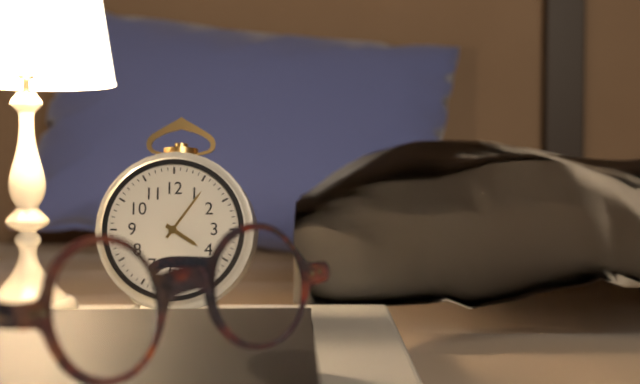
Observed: {"hour": 4, "minute": 6}
